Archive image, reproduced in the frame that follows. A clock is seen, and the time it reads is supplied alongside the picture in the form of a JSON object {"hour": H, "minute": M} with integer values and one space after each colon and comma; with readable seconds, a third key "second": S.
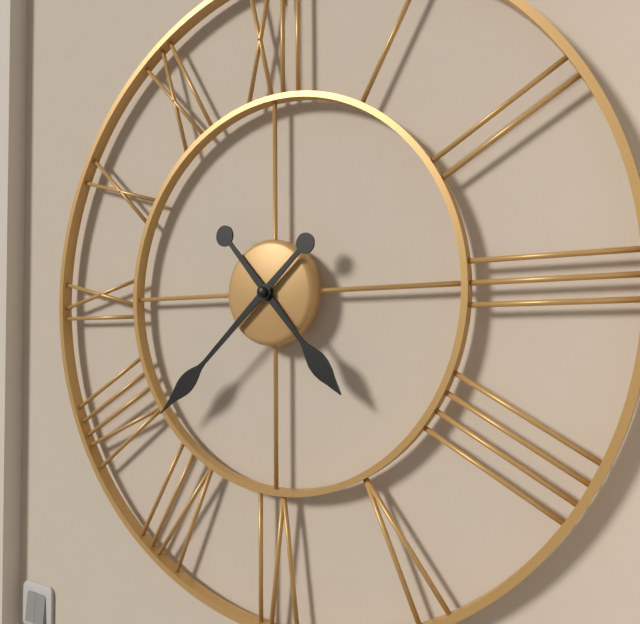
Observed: {"hour": 4, "minute": 38}
